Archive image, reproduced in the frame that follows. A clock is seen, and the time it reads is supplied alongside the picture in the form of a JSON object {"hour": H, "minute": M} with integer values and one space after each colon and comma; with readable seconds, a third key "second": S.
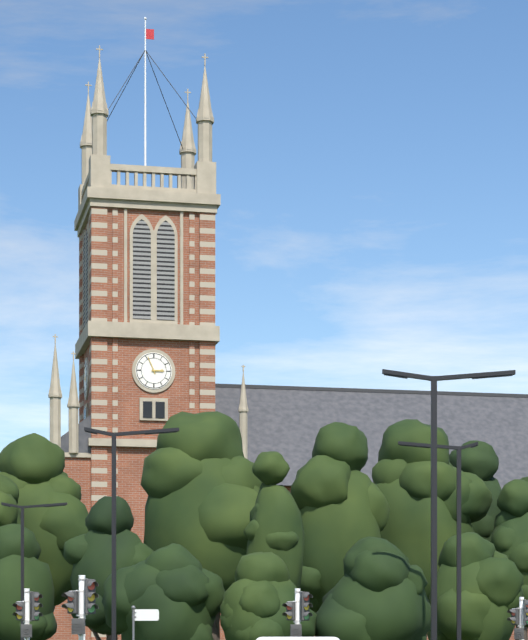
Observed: {"hour": 2, "minute": 56}
